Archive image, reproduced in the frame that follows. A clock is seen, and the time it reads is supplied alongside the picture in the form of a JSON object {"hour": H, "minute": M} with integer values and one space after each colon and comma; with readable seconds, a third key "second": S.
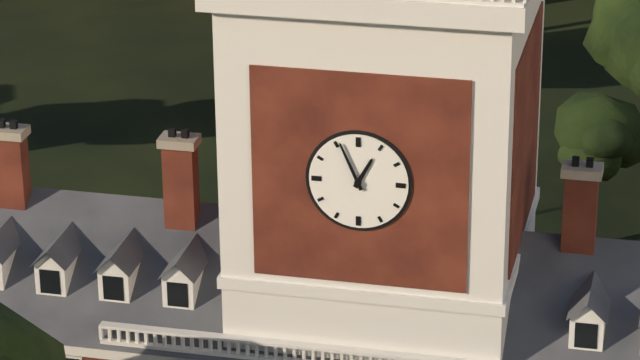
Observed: {"hour": 12, "minute": 56}
